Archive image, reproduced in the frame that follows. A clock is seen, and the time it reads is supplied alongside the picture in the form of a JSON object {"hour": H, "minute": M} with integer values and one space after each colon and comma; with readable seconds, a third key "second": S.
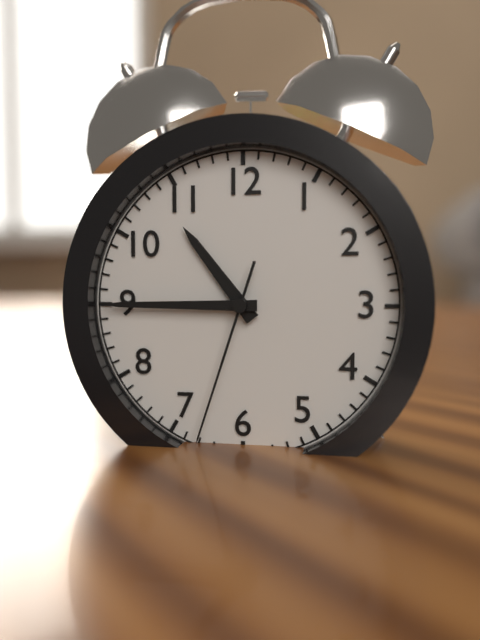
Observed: {"hour": 10, "minute": 45, "second": 33}
